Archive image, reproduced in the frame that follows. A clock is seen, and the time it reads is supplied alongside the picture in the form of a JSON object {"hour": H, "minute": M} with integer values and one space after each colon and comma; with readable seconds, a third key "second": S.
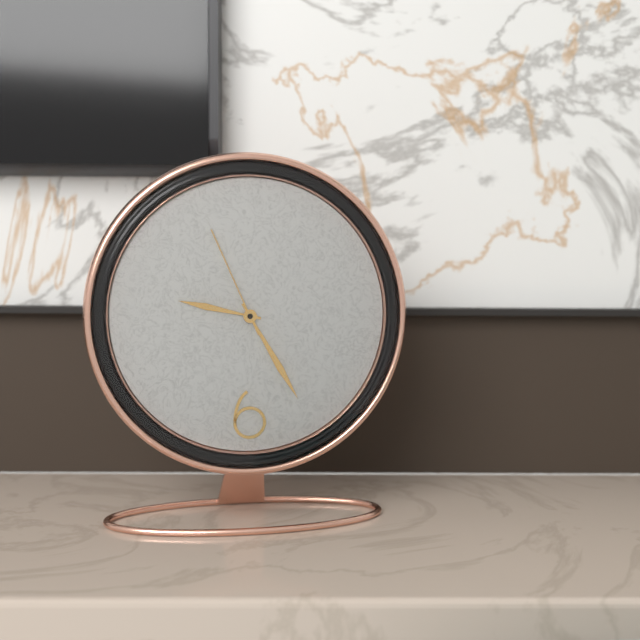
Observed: {"hour": 9, "minute": 25, "second": 56}
